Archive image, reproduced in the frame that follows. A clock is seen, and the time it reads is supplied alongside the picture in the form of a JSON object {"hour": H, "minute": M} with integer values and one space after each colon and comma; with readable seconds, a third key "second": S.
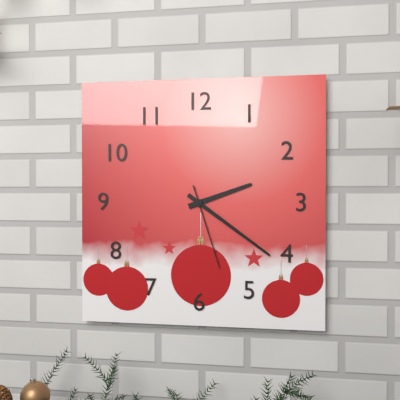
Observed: {"hour": 2, "minute": 21, "second": 27}
